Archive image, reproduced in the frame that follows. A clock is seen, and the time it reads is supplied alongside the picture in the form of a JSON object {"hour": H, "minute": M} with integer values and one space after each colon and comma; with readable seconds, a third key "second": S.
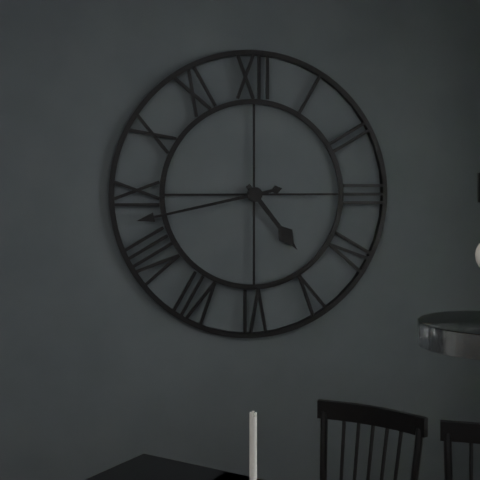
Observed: {"hour": 4, "minute": 43}
